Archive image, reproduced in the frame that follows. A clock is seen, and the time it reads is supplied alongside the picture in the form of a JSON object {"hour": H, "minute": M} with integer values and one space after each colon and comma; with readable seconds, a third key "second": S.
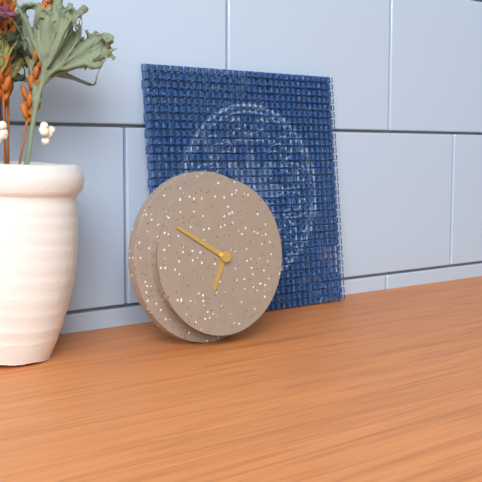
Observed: {"hour": 6, "minute": 50}
